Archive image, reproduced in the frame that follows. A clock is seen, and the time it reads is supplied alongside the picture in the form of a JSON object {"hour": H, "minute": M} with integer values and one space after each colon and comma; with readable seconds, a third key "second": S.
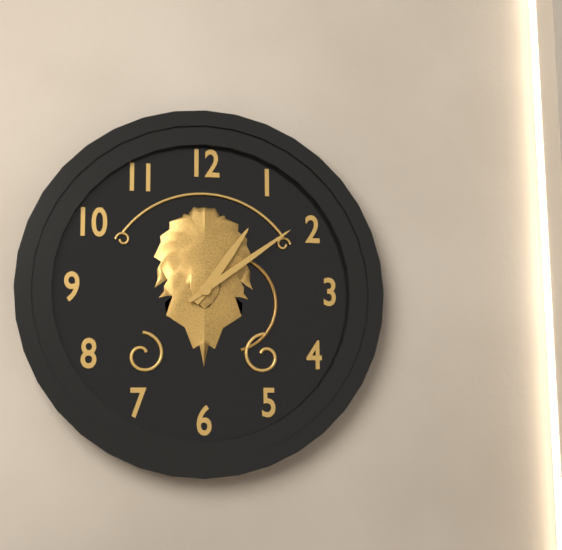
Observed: {"hour": 1, "minute": 9}
